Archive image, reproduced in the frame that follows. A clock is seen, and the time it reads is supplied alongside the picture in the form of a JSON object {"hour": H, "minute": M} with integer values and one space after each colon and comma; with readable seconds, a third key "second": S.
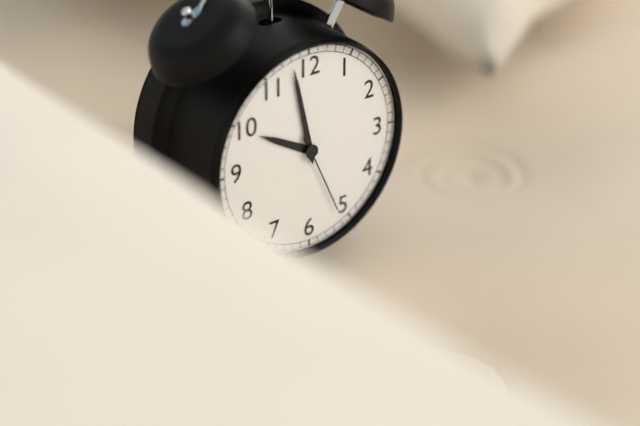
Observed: {"hour": 9, "minute": 58, "second": 26}
